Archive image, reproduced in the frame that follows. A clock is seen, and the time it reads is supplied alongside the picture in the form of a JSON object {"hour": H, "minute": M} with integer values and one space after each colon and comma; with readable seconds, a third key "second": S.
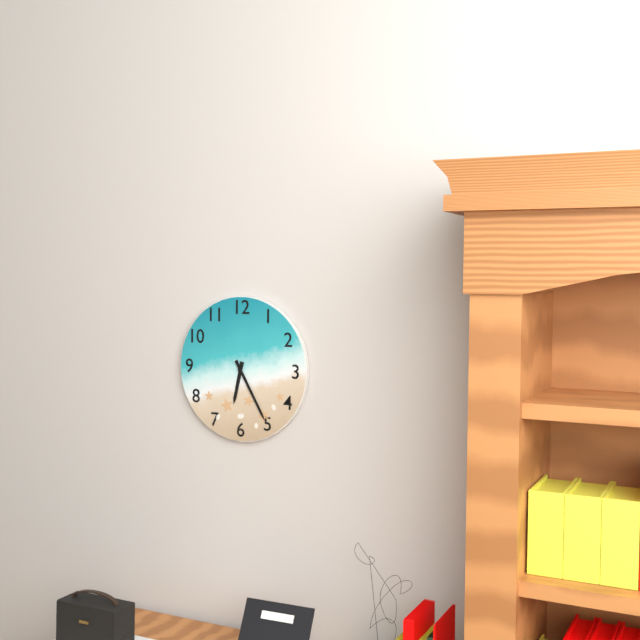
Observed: {"hour": 6, "minute": 25}
